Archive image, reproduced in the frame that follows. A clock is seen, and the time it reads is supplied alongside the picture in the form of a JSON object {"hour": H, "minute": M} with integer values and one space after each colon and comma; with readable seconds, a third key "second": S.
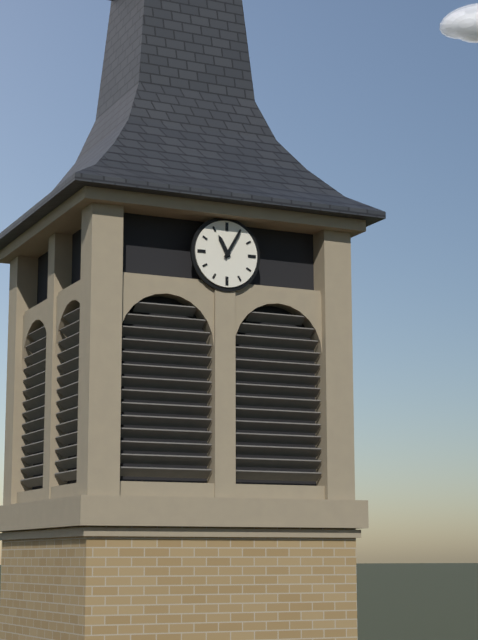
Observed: {"hour": 11, "minute": 5}
